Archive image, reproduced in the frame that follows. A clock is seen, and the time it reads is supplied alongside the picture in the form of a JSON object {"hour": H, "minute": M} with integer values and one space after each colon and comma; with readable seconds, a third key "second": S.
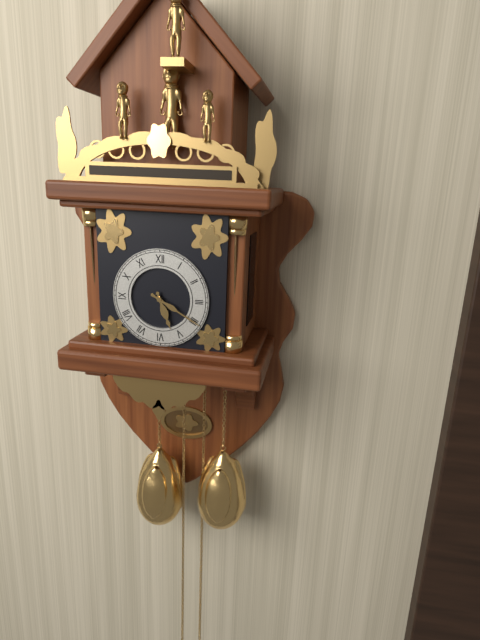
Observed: {"hour": 5, "minute": 20}
